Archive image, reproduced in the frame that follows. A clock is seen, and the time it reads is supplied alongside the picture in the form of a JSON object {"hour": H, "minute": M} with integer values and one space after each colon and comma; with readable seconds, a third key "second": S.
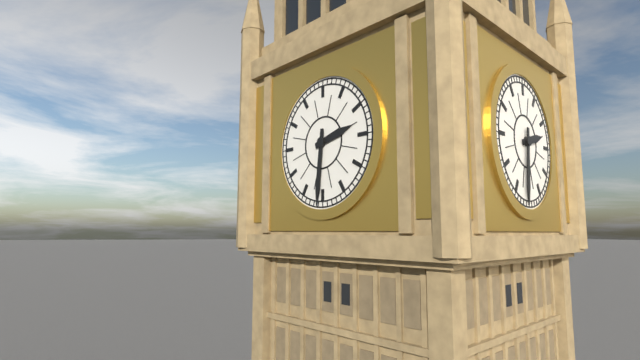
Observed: {"hour": 2, "minute": 31}
